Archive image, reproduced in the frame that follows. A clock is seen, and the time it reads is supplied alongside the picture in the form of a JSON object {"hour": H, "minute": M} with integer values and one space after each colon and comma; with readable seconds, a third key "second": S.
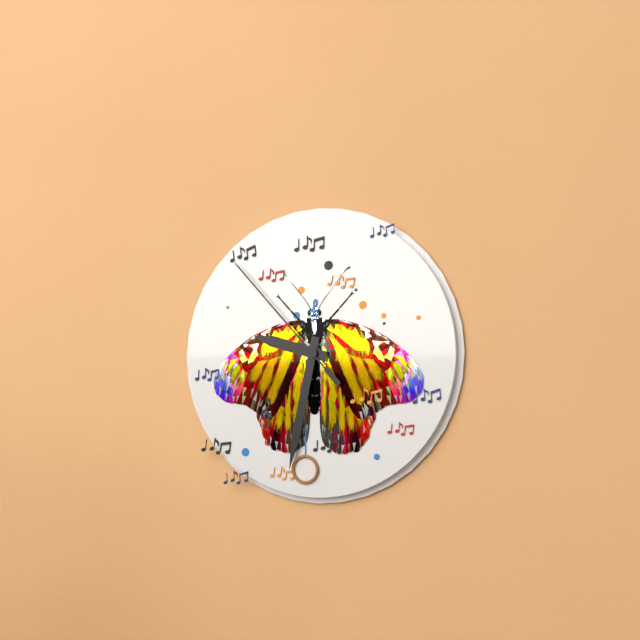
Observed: {"hour": 9, "minute": 32, "second": 53}
